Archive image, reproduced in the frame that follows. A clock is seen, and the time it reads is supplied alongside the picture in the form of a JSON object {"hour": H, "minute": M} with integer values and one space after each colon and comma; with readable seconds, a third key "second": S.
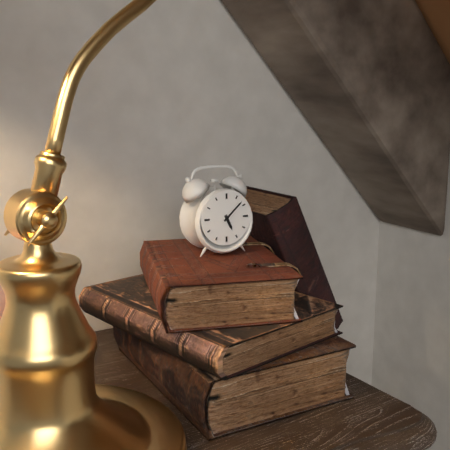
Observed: {"hour": 5, "minute": 8}
